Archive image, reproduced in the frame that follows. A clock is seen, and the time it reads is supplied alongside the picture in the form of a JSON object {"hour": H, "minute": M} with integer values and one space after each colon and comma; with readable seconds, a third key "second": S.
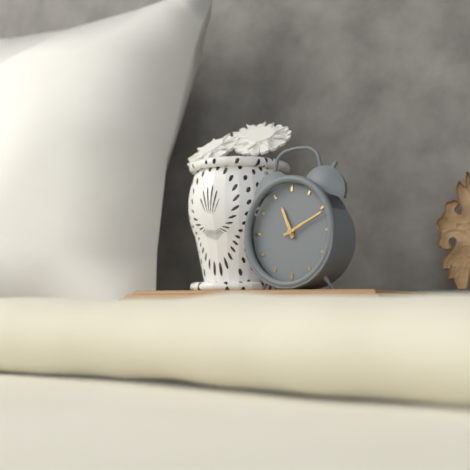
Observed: {"hour": 11, "minute": 11}
